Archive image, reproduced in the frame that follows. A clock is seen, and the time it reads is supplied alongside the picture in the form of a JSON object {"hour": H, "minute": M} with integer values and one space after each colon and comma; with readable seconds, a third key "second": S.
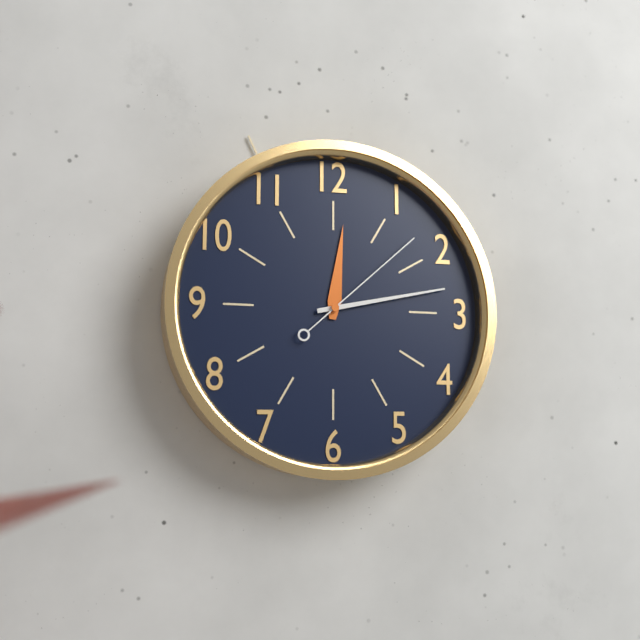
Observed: {"hour": 12, "minute": 13, "second": 8}
